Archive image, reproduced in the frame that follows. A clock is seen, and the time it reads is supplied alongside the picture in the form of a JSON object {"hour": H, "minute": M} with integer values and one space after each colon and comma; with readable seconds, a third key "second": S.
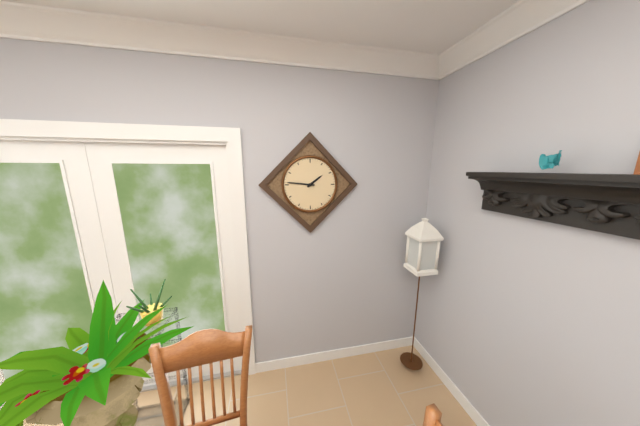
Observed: {"hour": 1, "minute": 46}
